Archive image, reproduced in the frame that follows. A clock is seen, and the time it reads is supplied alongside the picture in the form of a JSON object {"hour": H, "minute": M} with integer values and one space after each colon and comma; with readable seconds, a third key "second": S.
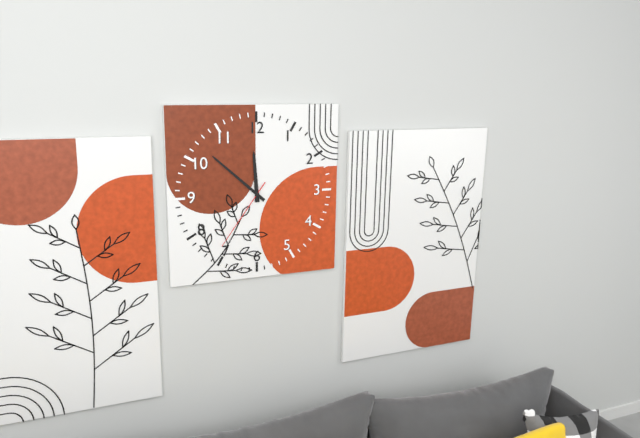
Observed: {"hour": 11, "minute": 52, "second": 36}
